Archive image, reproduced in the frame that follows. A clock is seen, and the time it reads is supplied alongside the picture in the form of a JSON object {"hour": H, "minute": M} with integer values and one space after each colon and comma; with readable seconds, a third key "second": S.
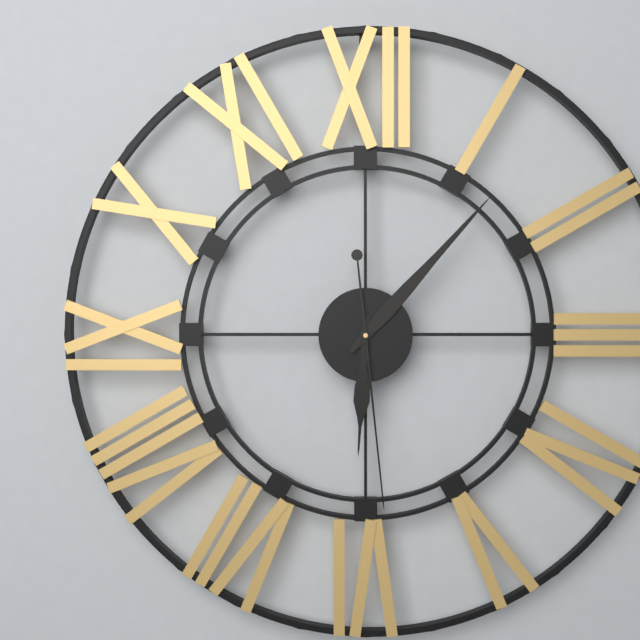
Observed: {"hour": 6, "minute": 7, "second": 29}
